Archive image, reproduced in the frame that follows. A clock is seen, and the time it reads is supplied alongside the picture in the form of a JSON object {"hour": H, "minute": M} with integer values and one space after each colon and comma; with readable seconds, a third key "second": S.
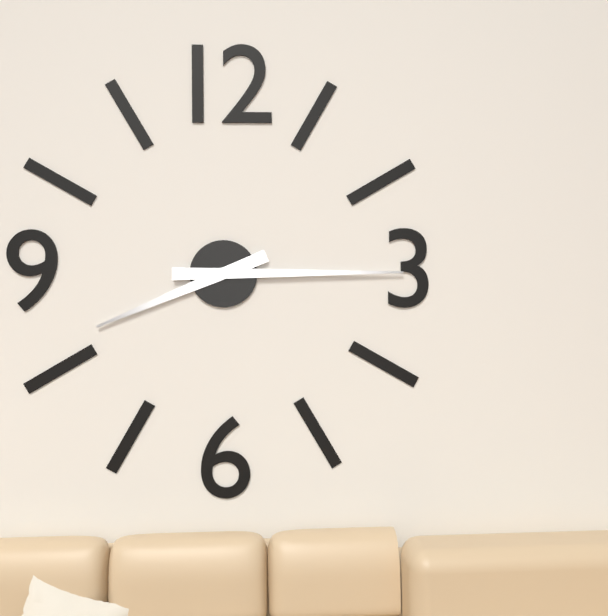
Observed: {"hour": 8, "minute": 15}
